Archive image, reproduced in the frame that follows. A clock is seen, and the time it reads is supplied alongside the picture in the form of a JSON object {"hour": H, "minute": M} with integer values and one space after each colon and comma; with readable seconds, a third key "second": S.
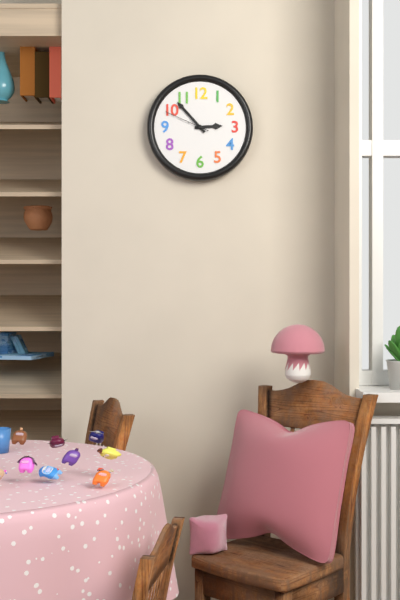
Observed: {"hour": 2, "minute": 53}
